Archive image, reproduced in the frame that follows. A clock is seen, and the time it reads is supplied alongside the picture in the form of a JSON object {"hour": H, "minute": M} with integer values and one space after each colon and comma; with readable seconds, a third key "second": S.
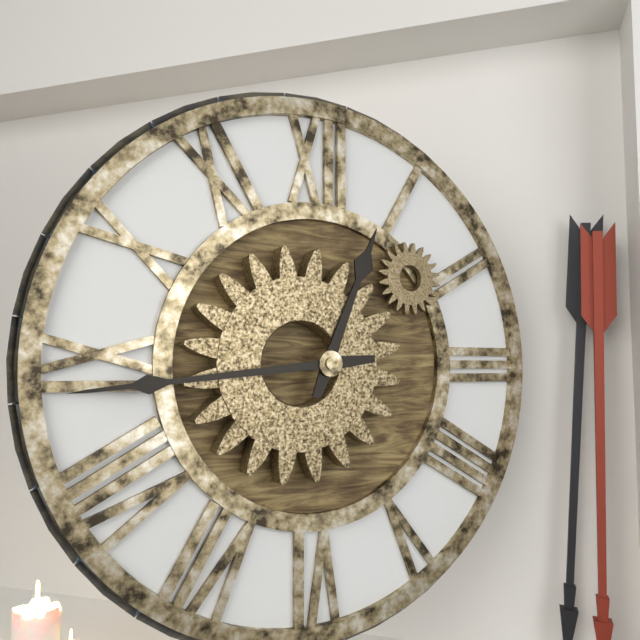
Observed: {"hour": 12, "minute": 44}
